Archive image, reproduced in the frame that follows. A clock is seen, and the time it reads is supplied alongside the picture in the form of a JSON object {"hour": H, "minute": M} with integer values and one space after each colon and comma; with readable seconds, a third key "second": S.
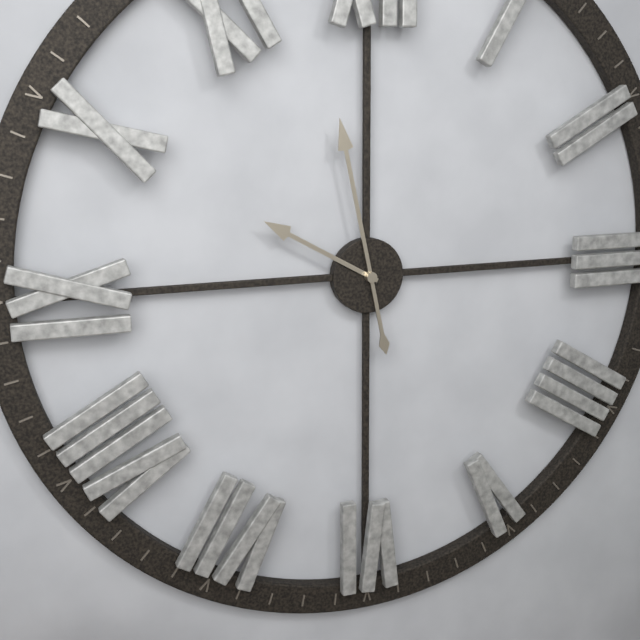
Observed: {"hour": 9, "minute": 58}
